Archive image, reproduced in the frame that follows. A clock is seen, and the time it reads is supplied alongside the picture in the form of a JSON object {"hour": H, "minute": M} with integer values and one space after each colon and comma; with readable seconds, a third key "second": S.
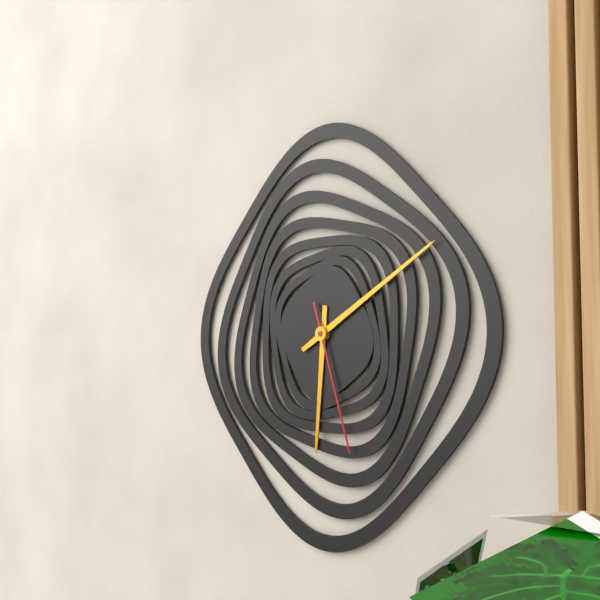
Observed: {"hour": 6, "minute": 10, "second": 27}
